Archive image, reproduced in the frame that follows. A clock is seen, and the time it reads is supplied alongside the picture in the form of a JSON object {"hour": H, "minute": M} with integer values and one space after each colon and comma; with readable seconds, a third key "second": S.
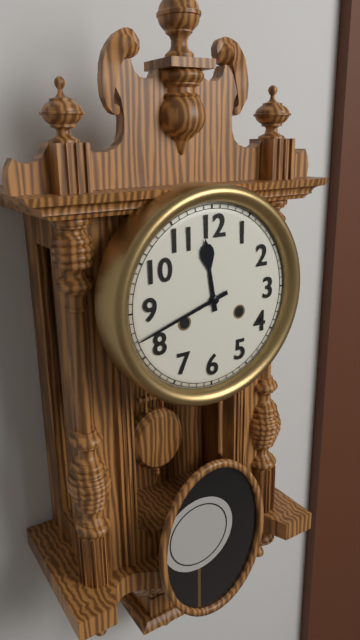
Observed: {"hour": 11, "minute": 42}
